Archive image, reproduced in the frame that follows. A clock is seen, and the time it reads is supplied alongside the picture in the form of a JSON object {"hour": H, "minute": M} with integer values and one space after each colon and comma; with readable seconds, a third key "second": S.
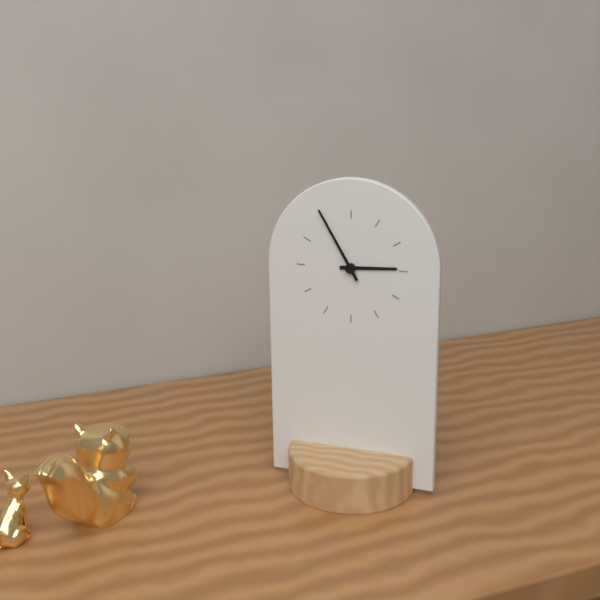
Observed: {"hour": 2, "minute": 55}
